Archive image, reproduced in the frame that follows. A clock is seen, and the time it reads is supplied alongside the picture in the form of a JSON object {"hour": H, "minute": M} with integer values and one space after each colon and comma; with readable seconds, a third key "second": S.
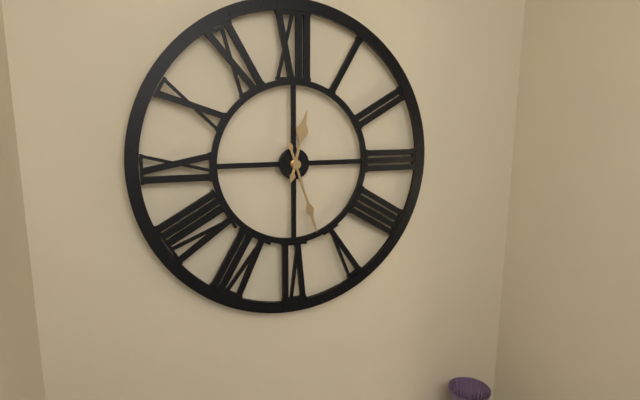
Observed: {"hour": 12, "minute": 27}
